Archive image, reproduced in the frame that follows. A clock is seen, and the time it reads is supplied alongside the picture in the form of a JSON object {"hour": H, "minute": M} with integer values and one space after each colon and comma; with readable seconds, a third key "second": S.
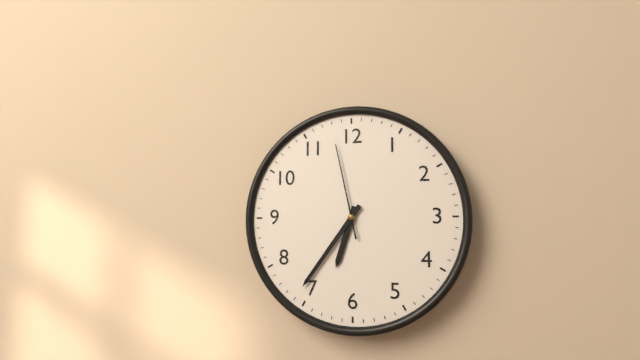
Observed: {"hour": 6, "minute": 36, "second": 58}
